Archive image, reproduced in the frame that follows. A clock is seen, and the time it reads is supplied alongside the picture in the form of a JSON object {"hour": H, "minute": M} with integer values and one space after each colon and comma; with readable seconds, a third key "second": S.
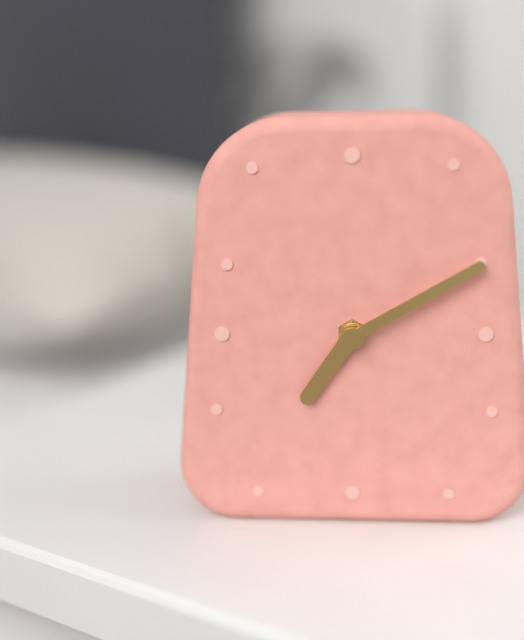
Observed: {"hour": 7, "minute": 10}
